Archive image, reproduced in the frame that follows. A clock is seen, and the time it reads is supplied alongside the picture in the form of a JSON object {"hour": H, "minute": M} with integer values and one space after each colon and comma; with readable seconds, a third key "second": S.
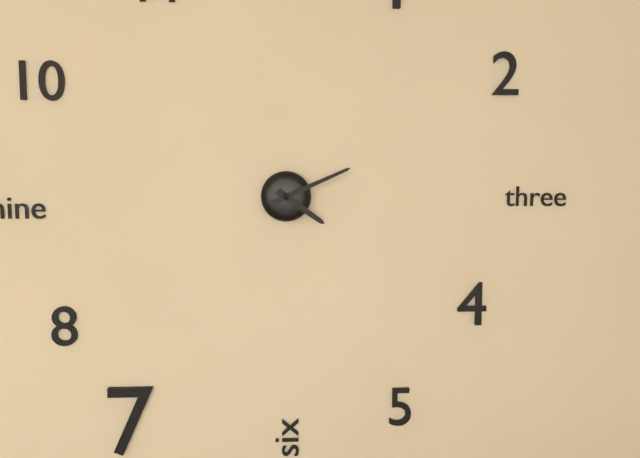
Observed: {"hour": 4, "minute": 11}
